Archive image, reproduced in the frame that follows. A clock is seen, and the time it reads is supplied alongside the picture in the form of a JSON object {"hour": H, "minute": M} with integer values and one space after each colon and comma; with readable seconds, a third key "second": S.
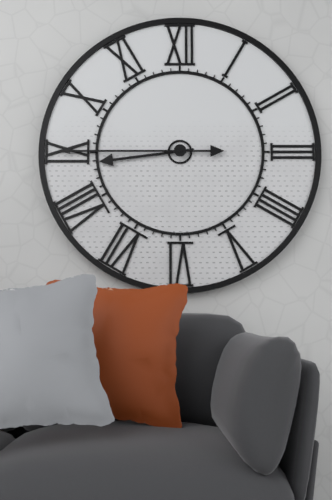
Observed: {"hour": 8, "minute": 45}
